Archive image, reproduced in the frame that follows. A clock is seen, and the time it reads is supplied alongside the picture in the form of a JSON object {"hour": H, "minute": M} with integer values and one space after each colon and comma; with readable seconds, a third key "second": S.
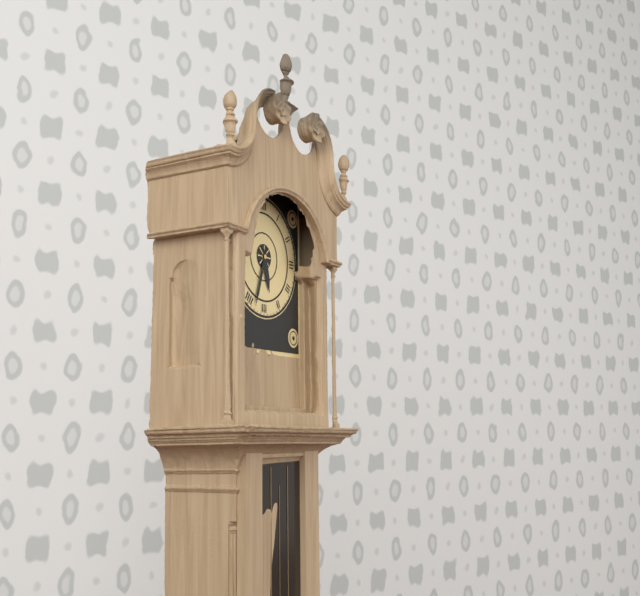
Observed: {"hour": 5, "minute": 33}
